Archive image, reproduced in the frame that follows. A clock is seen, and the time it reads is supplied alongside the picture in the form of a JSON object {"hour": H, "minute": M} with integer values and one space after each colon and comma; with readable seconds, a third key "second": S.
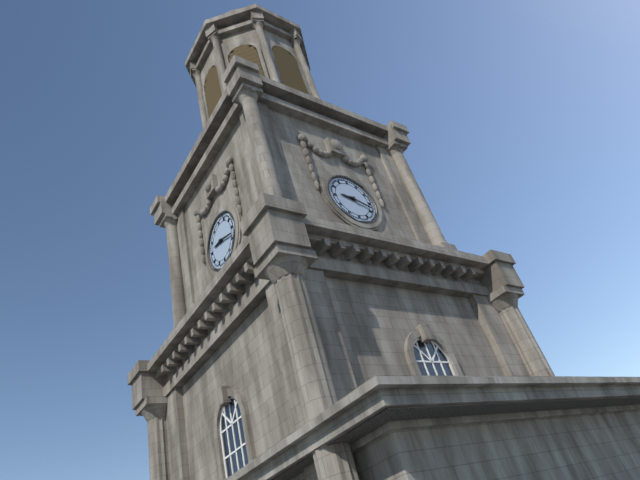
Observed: {"hour": 9, "minute": 18}
